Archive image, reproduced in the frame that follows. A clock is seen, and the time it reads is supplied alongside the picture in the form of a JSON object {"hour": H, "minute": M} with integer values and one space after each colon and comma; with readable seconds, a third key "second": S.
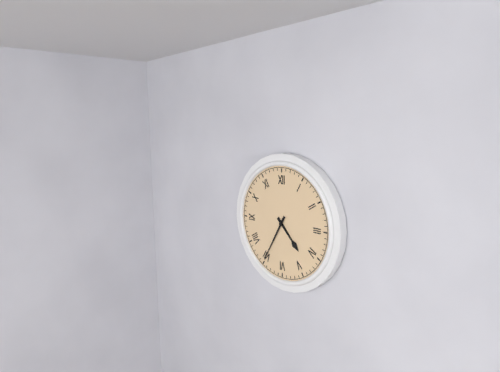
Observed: {"hour": 4, "minute": 35}
